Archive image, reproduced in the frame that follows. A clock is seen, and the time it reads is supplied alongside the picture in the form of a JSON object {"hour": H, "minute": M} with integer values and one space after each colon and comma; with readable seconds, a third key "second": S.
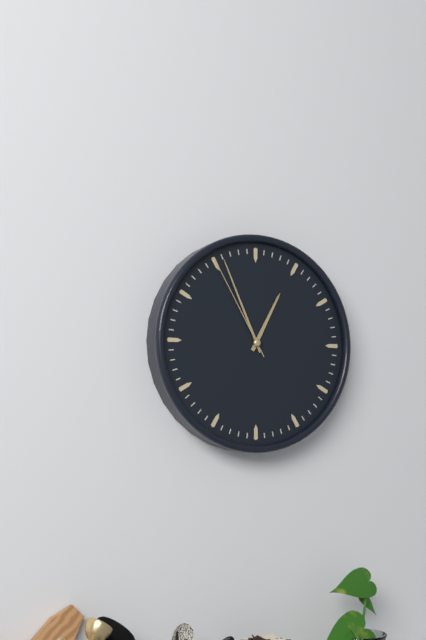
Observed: {"hour": 12, "minute": 56, "second": 55}
